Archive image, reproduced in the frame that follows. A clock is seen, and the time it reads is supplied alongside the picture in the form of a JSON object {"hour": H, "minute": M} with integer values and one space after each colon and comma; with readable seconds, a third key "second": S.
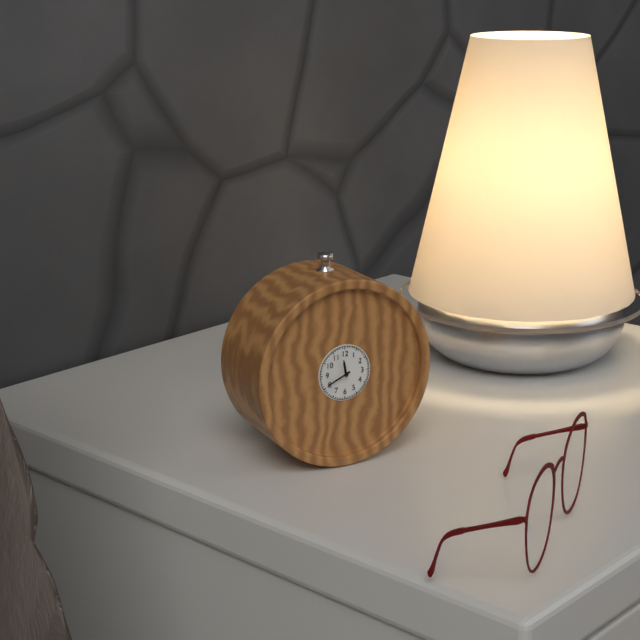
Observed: {"hour": 11, "minute": 41}
